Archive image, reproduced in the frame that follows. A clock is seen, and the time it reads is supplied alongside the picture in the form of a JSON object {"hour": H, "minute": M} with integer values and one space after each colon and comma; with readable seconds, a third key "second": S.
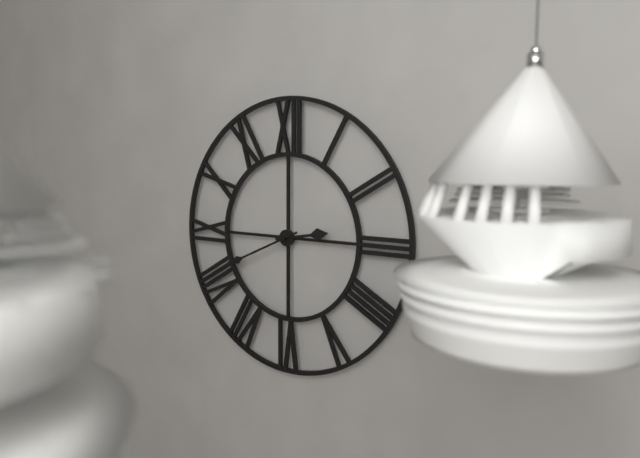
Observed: {"hour": 2, "minute": 41}
